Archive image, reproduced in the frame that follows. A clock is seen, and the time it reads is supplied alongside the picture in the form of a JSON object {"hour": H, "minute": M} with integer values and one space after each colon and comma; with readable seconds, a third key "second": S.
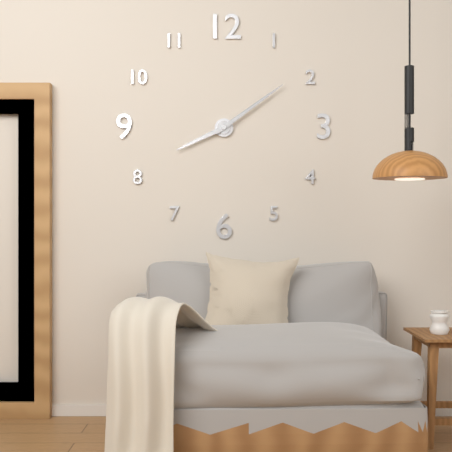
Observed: {"hour": 8, "minute": 9}
